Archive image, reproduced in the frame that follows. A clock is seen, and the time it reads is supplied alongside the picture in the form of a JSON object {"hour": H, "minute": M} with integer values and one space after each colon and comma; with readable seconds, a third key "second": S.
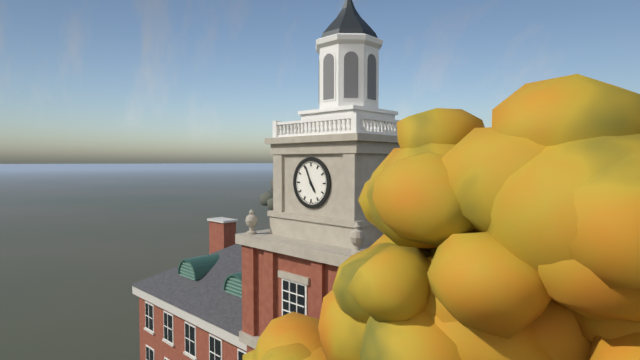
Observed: {"hour": 4, "minute": 56}
